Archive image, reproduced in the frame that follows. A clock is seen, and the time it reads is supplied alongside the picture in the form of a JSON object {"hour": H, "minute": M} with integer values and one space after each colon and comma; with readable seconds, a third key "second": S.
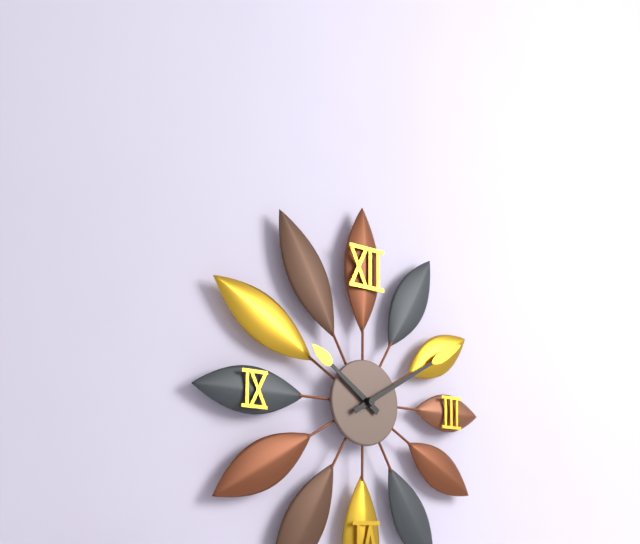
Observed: {"hour": 10, "minute": 10}
